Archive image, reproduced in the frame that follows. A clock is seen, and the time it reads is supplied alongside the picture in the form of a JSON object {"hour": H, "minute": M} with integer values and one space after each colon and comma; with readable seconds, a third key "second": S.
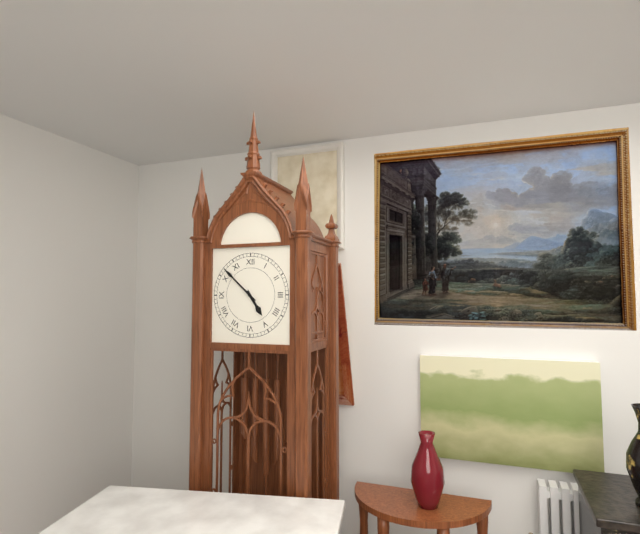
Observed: {"hour": 4, "minute": 52}
